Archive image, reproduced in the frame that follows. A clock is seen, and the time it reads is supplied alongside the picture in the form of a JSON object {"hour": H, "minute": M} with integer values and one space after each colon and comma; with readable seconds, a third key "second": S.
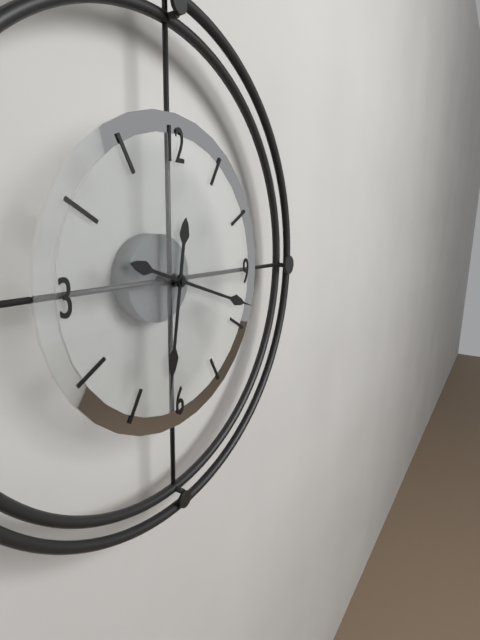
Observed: {"hour": 6, "minute": 18}
